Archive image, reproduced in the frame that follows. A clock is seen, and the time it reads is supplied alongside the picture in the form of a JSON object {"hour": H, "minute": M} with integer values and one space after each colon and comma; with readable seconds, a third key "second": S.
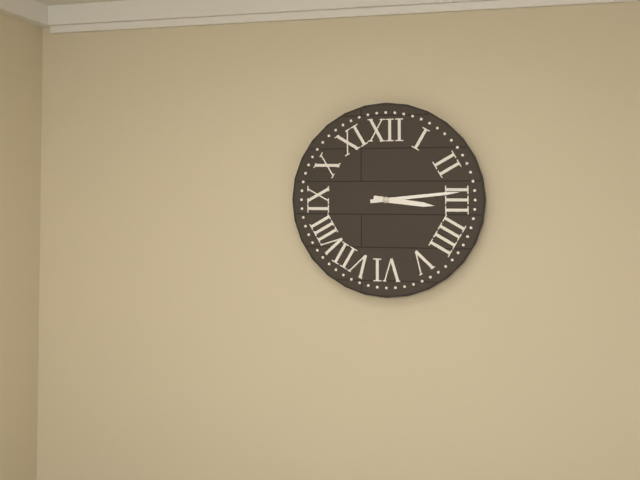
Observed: {"hour": 3, "minute": 14}
